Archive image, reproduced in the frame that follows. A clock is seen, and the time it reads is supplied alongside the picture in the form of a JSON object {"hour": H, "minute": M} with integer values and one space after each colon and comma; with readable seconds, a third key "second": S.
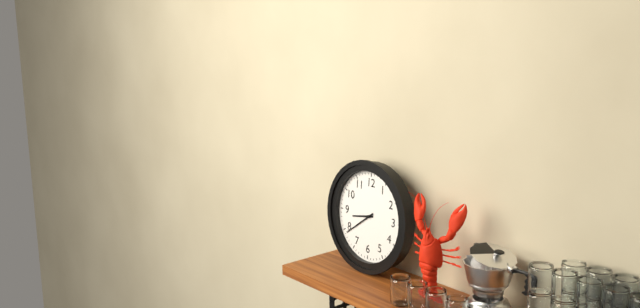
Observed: {"hour": 8, "minute": 39}
